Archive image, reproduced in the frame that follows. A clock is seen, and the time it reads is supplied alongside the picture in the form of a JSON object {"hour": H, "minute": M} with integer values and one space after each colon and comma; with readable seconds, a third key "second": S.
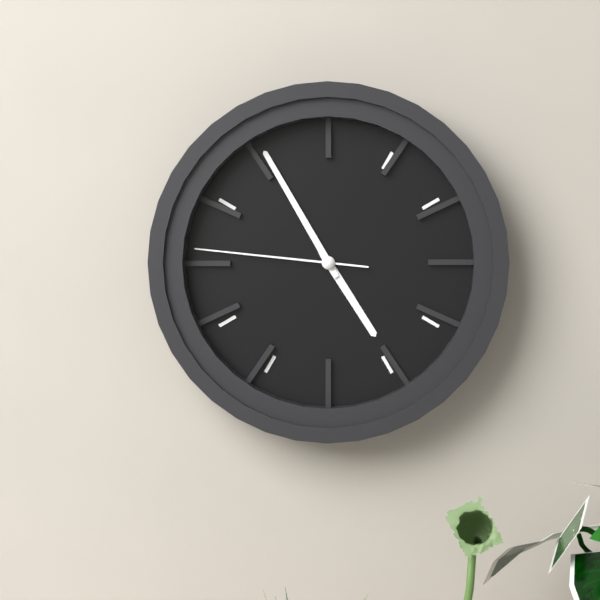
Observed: {"hour": 4, "minute": 55, "second": 46}
